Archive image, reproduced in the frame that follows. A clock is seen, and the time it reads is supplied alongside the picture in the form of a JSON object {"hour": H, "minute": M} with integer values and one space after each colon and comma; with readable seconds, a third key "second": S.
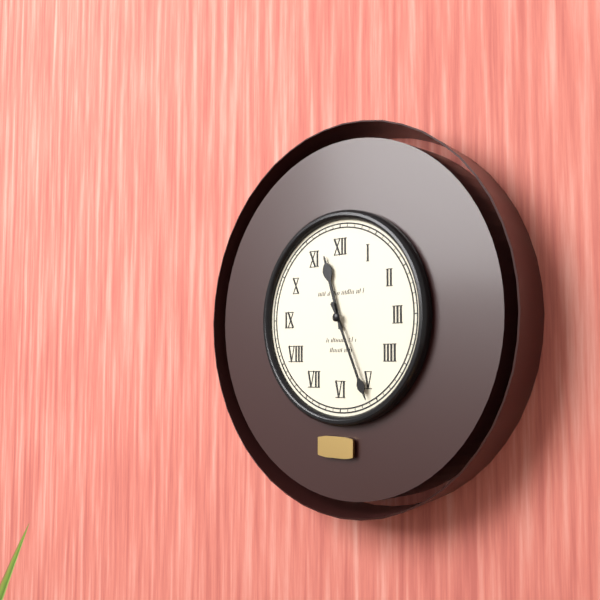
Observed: {"hour": 11, "minute": 26}
